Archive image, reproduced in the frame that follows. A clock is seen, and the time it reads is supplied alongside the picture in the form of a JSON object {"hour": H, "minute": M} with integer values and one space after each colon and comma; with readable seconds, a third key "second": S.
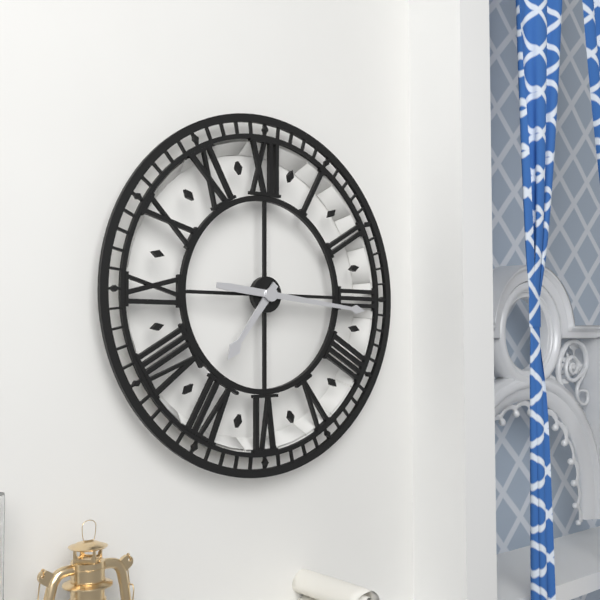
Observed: {"hour": 7, "minute": 16}
